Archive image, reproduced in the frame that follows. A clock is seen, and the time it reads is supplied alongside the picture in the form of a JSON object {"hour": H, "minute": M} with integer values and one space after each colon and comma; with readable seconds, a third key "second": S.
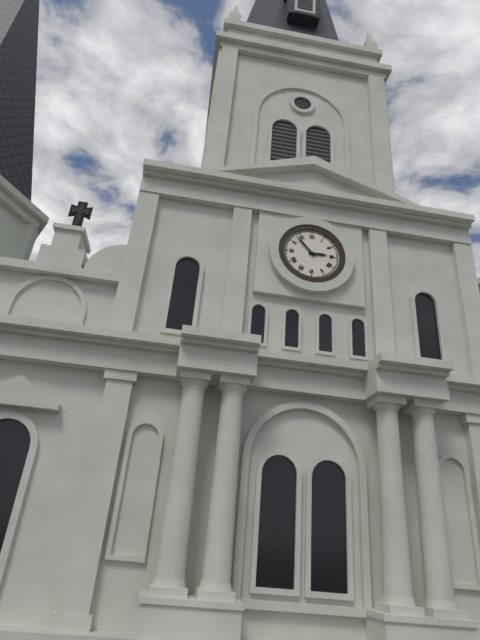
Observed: {"hour": 2, "minute": 53}
